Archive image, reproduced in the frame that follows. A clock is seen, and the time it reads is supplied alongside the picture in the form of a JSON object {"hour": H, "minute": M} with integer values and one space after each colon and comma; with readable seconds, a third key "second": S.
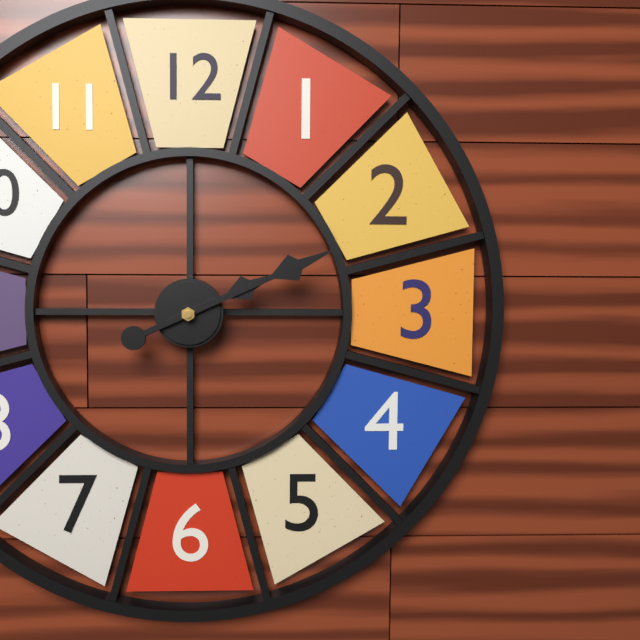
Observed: {"hour": 2, "minute": 11}
